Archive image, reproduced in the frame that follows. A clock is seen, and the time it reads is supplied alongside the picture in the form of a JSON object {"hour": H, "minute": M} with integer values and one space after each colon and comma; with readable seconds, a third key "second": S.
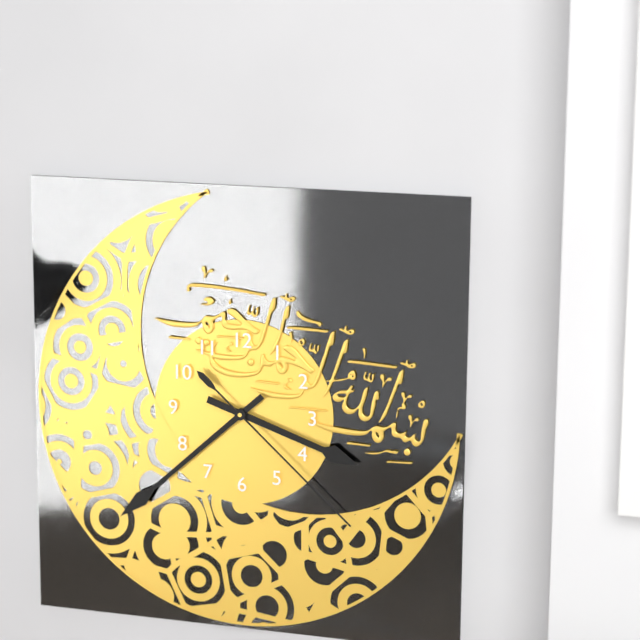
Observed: {"hour": 3, "minute": 38, "second": 22}
